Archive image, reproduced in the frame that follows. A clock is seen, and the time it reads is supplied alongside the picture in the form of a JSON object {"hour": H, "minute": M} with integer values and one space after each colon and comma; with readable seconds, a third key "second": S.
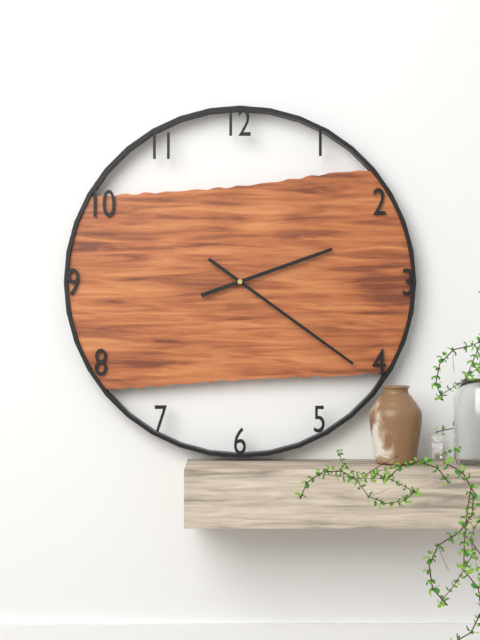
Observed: {"hour": 2, "minute": 21}
